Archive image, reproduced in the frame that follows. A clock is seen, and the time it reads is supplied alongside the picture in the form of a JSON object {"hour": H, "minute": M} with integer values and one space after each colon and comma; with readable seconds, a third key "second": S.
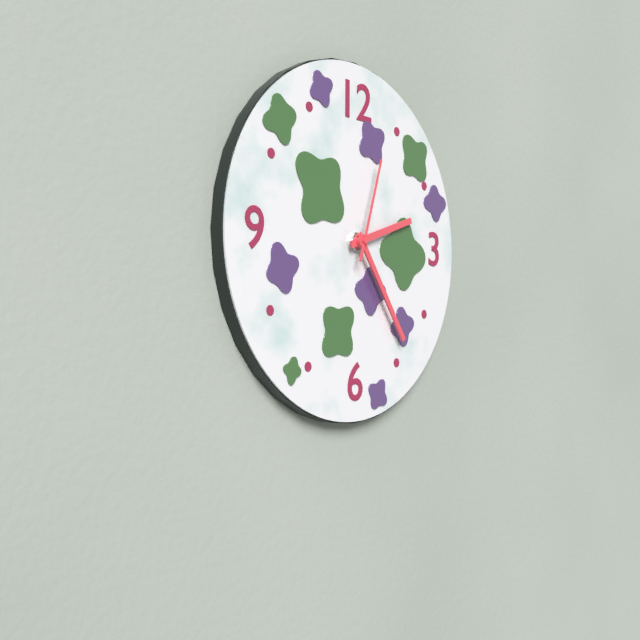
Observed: {"hour": 2, "minute": 24, "second": 3}
